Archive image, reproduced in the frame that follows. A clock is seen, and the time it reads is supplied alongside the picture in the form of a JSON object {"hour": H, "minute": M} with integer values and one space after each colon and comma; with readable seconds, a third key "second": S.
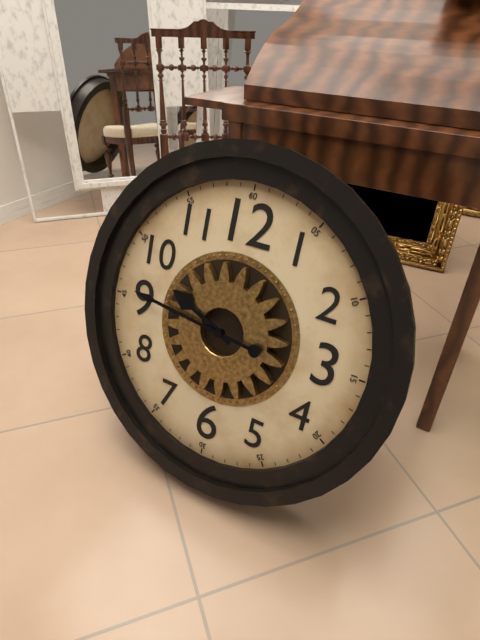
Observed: {"hour": 9, "minute": 46}
